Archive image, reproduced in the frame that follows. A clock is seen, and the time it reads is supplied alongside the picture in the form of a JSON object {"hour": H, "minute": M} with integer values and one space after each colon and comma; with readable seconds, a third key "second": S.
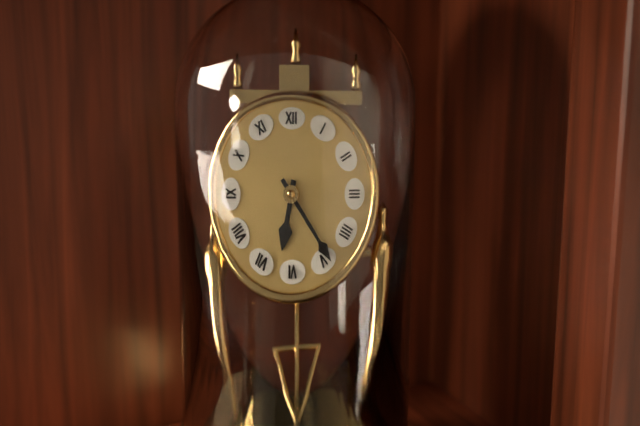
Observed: {"hour": 6, "minute": 24}
